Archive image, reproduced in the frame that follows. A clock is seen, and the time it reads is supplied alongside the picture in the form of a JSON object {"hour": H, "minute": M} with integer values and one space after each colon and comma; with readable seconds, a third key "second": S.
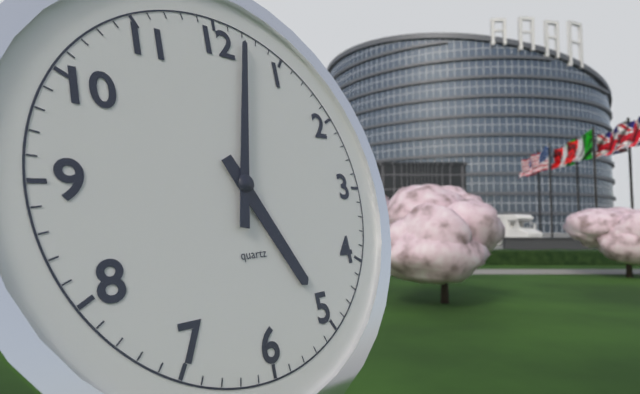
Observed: {"hour": 5, "minute": 2}
